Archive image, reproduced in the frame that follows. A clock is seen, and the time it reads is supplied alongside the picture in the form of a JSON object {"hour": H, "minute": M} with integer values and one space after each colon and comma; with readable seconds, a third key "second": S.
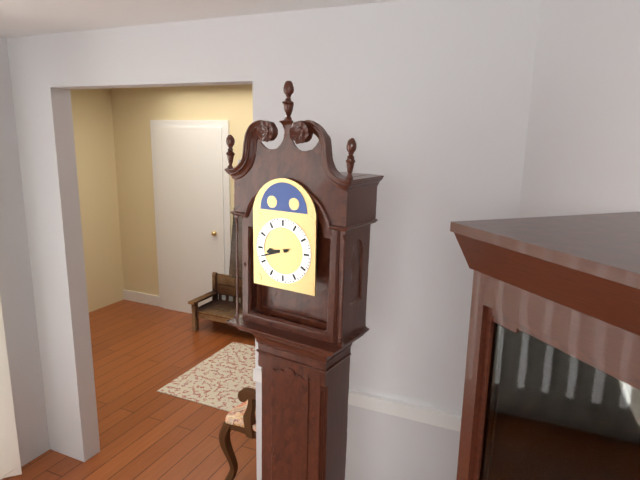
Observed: {"hour": 8, "minute": 42}
